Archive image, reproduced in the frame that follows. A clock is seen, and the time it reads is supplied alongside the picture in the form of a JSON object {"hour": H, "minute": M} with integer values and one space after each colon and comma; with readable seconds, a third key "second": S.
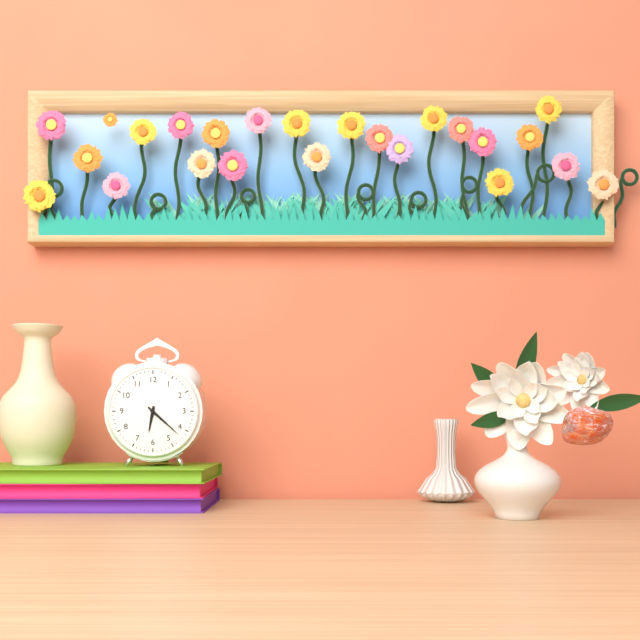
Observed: {"hour": 6, "minute": 22}
